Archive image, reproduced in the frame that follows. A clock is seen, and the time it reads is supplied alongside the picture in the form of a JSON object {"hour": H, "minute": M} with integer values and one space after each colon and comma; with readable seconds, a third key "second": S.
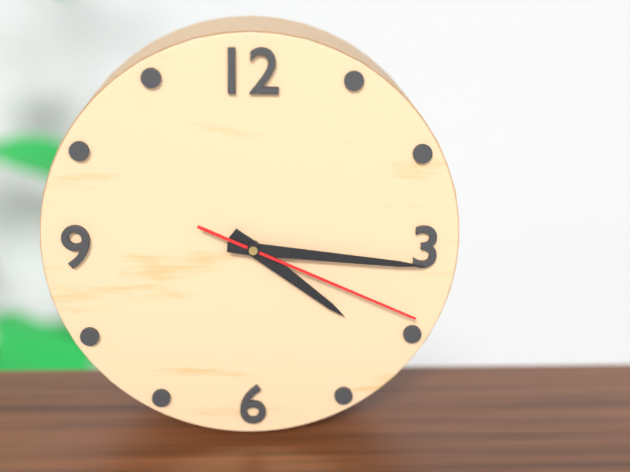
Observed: {"hour": 4, "minute": 16, "second": 19}
